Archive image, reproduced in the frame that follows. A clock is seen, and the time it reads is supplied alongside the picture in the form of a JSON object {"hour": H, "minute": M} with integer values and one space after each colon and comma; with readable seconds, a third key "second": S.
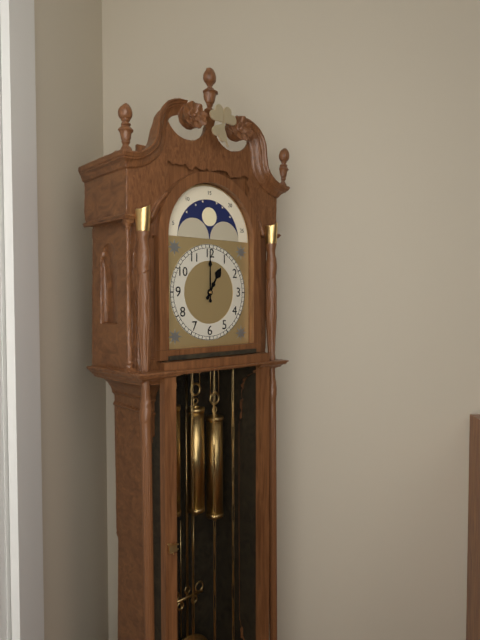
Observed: {"hour": 1, "minute": 0}
